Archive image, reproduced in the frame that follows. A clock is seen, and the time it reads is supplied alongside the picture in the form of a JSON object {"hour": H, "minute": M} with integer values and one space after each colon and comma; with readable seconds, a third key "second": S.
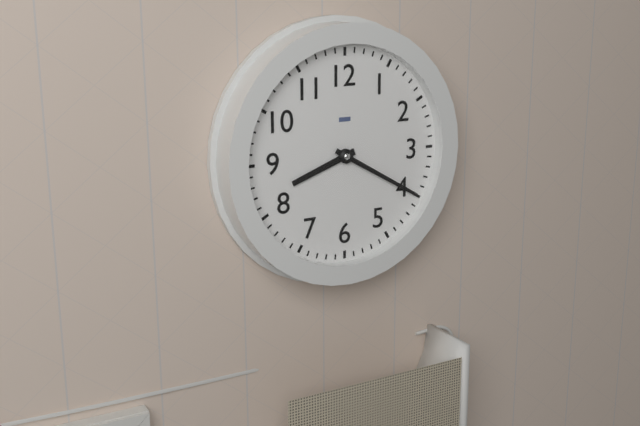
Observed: {"hour": 8, "minute": 20}
